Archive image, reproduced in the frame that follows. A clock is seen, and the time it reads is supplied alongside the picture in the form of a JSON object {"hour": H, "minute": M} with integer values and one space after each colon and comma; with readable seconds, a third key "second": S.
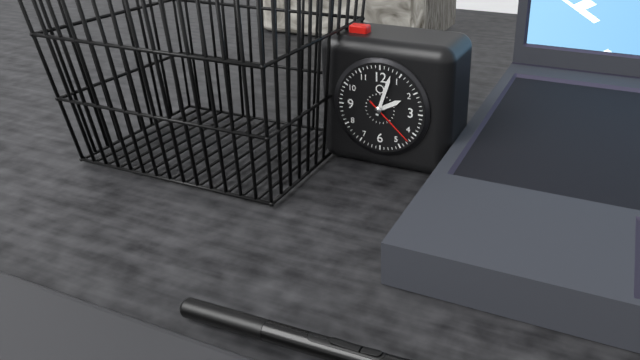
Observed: {"hour": 2, "minute": 3, "second": 22}
